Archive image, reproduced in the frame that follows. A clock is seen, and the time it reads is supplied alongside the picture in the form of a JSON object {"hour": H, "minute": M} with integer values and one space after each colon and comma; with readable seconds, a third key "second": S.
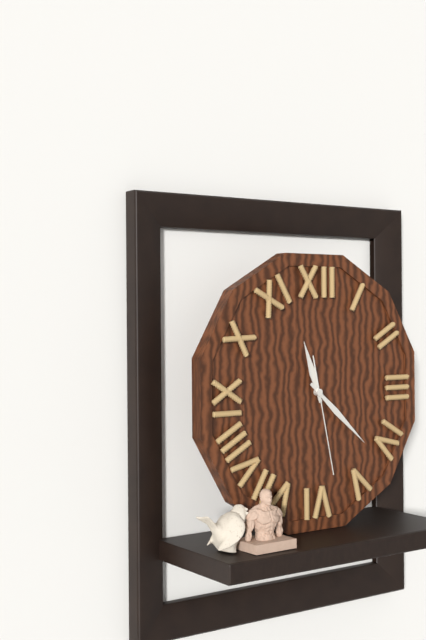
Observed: {"hour": 11, "minute": 22, "second": 28}
